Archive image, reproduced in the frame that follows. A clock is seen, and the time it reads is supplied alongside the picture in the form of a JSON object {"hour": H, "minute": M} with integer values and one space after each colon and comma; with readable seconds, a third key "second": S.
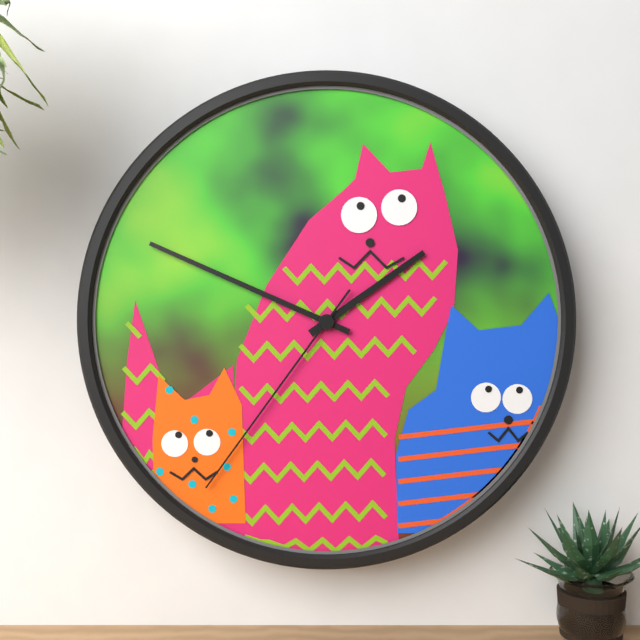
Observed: {"hour": 1, "minute": 49, "second": 36}
